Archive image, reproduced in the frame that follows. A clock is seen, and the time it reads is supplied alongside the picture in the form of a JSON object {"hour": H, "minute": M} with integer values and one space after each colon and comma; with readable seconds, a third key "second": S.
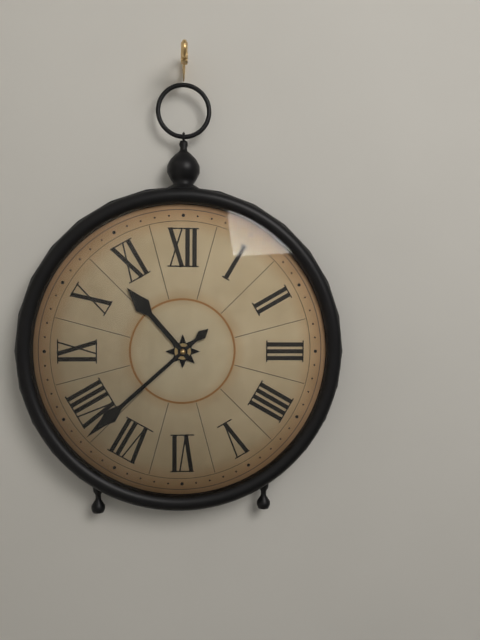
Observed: {"hour": 10, "minute": 38}
